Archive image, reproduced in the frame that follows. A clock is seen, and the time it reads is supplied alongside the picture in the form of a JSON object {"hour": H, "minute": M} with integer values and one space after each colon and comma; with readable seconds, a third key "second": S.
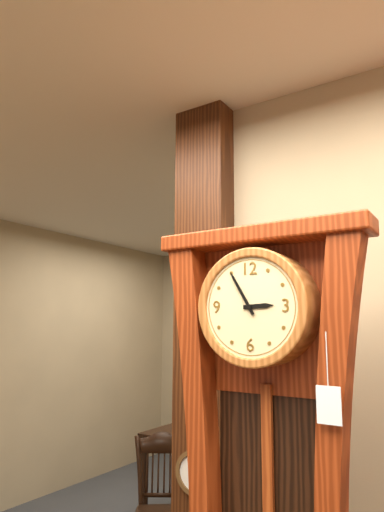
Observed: {"hour": 2, "minute": 55}
